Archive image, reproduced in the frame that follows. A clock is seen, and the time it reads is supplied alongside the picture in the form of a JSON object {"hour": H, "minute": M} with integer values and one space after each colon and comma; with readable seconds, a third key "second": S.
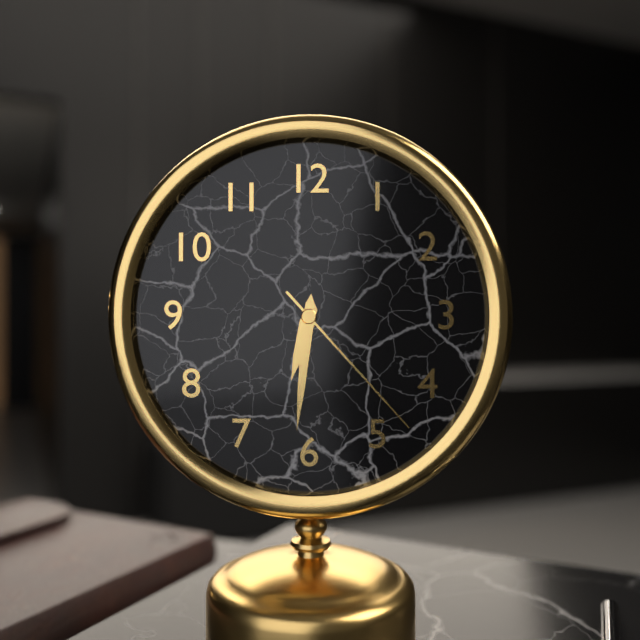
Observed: {"hour": 6, "minute": 31, "second": 23}
